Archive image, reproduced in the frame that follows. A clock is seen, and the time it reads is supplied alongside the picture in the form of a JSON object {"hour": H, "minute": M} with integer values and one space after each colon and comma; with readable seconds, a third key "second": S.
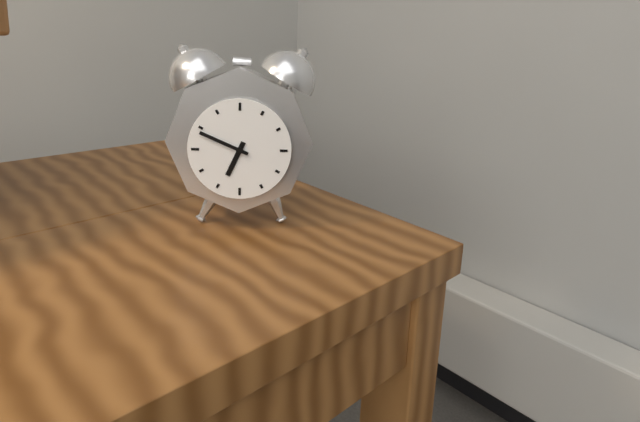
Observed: {"hour": 6, "minute": 49}
